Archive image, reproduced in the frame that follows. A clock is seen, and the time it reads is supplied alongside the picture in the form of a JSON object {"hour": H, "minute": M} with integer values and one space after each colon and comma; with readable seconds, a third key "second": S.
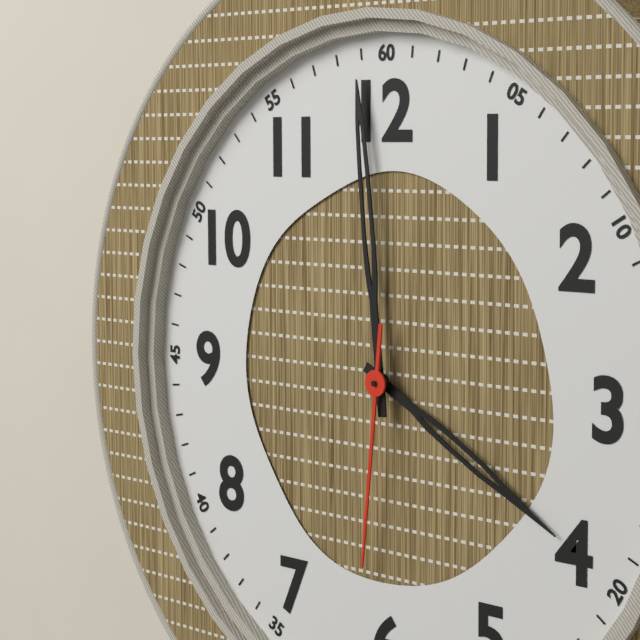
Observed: {"hour": 3, "minute": 59, "second": 31}
